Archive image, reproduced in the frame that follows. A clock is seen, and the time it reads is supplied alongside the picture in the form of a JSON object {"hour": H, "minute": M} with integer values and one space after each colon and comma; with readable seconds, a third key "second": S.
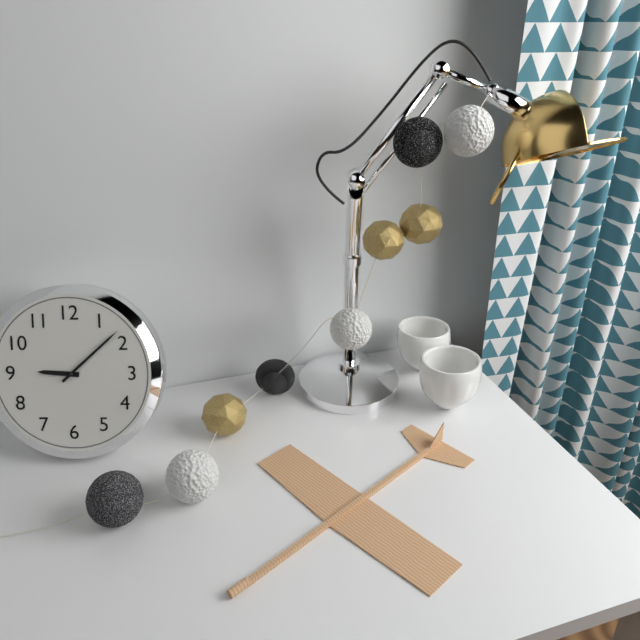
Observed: {"hour": 9, "minute": 8}
